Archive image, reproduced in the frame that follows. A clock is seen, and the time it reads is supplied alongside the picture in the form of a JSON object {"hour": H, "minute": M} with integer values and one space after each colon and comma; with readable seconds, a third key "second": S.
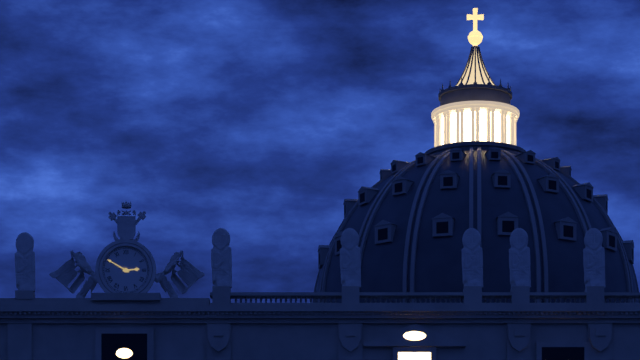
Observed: {"hour": 2, "minute": 50}
